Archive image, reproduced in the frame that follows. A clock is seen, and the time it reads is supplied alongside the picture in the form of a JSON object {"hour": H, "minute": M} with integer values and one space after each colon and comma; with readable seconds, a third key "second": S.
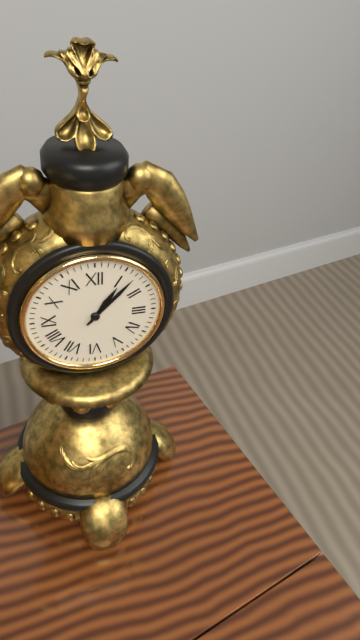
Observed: {"hour": 1, "minute": 7}
